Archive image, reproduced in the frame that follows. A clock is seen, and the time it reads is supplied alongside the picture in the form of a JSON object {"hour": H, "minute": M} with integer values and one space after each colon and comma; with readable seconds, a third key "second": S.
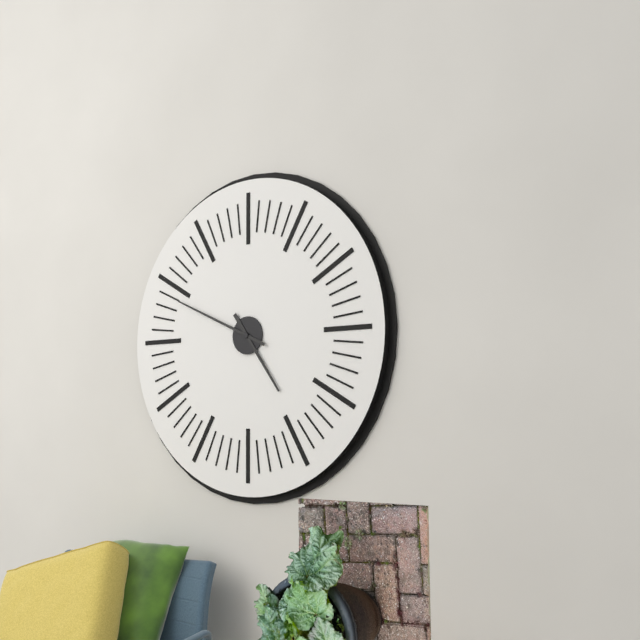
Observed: {"hour": 4, "minute": 49}
